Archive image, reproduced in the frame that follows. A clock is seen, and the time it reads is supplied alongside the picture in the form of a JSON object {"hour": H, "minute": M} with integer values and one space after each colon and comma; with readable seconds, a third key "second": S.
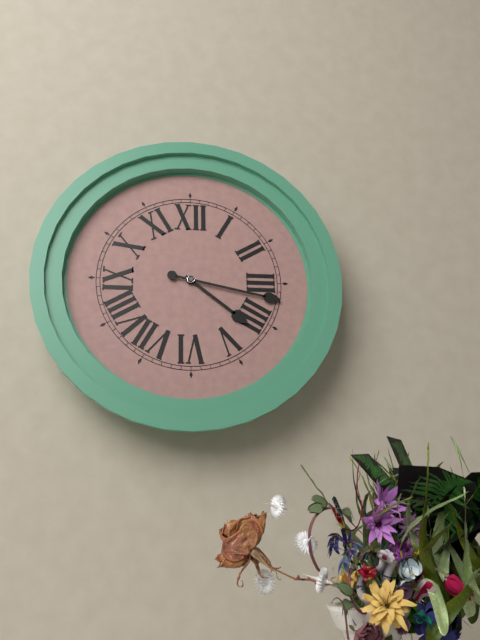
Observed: {"hour": 4, "minute": 17}
